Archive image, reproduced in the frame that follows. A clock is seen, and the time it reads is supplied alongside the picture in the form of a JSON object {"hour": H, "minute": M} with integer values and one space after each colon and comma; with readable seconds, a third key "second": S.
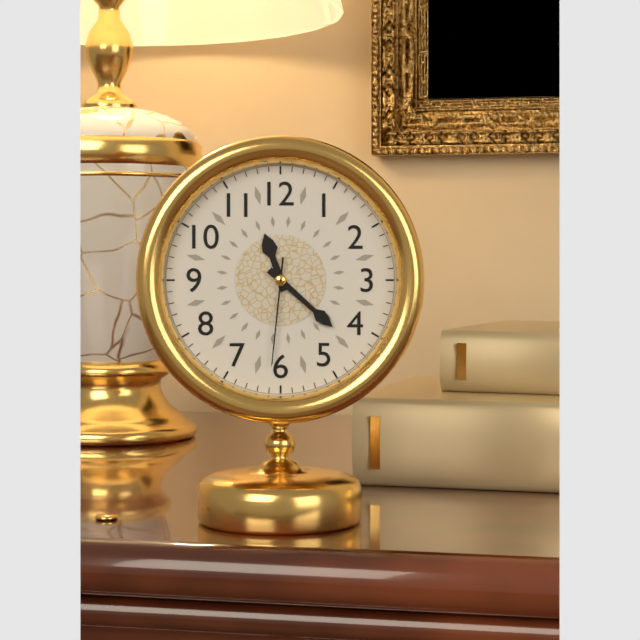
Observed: {"hour": 11, "minute": 22, "second": 31}
